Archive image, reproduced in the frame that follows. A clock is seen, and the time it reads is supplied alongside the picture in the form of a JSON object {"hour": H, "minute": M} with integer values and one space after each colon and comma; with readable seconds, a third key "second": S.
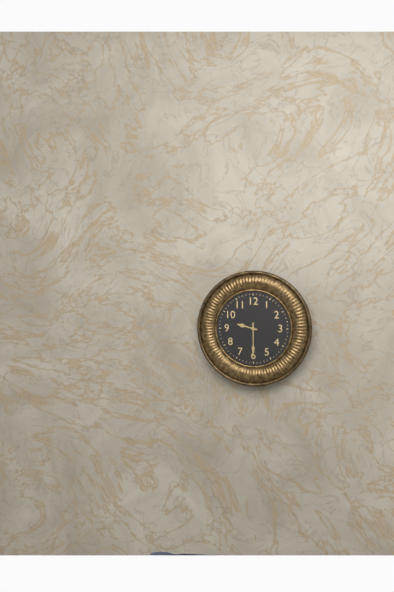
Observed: {"hour": 9, "minute": 30}
